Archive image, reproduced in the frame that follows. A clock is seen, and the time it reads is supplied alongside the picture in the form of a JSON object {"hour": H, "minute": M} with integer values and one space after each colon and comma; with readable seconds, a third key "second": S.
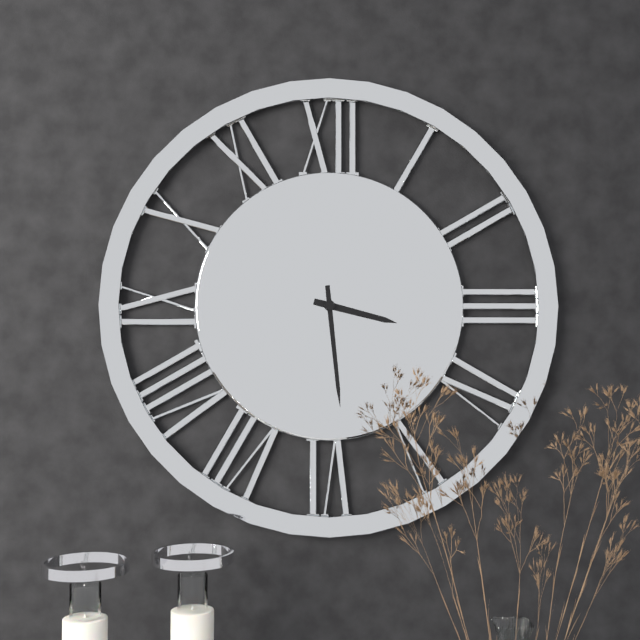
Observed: {"hour": 3, "minute": 29}
